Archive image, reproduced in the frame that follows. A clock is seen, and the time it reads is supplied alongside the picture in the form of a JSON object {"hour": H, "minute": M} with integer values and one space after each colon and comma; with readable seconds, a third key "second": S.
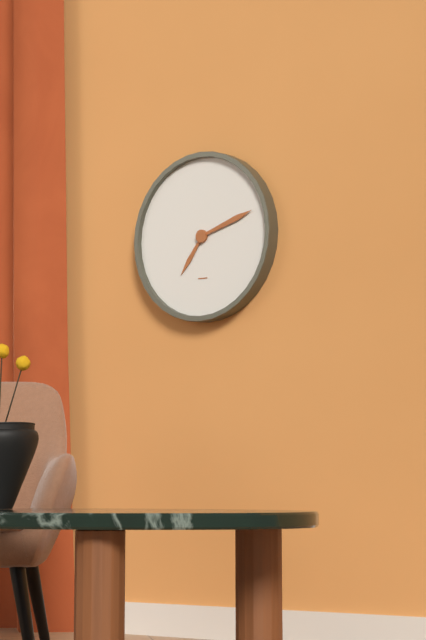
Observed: {"hour": 7, "minute": 12}
